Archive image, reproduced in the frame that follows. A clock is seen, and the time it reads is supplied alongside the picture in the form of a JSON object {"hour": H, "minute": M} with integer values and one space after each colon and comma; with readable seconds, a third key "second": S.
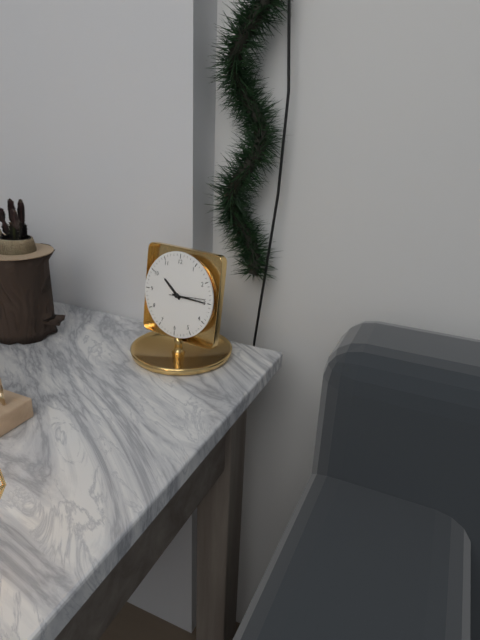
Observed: {"hour": 10, "minute": 15}
